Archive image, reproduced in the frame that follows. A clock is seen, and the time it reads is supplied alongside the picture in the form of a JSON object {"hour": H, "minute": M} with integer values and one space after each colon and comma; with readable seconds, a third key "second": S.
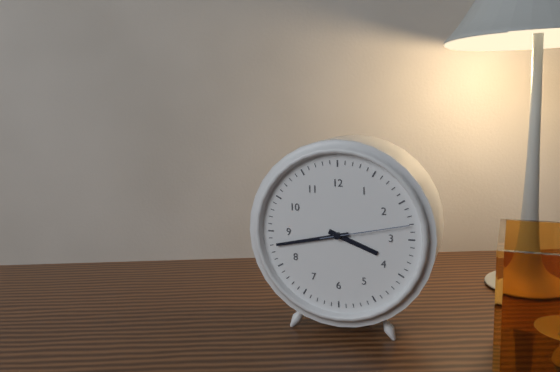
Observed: {"hour": 3, "minute": 43, "second": 13}
